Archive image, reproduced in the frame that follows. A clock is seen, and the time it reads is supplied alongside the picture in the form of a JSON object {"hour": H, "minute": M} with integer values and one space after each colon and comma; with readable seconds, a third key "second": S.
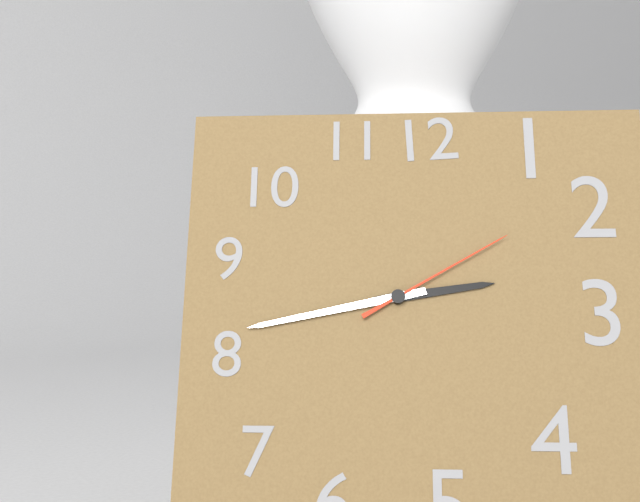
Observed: {"hour": 2, "minute": 43, "second": 10}
